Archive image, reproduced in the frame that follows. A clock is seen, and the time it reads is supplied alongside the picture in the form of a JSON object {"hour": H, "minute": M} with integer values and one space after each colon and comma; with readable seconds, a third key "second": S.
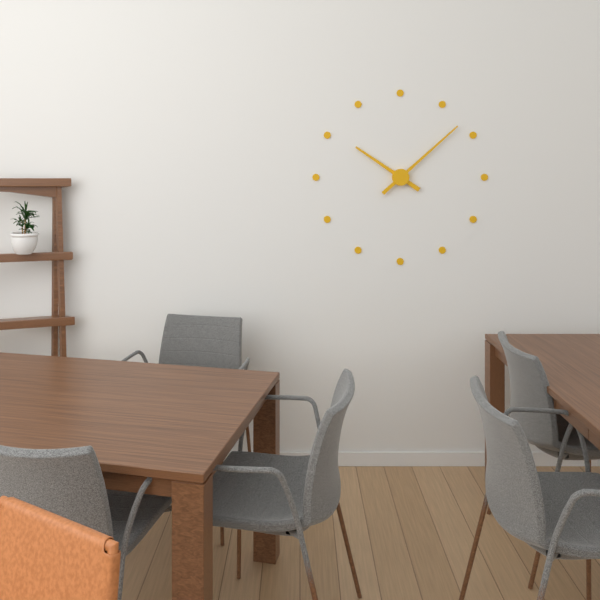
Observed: {"hour": 10, "minute": 8}
